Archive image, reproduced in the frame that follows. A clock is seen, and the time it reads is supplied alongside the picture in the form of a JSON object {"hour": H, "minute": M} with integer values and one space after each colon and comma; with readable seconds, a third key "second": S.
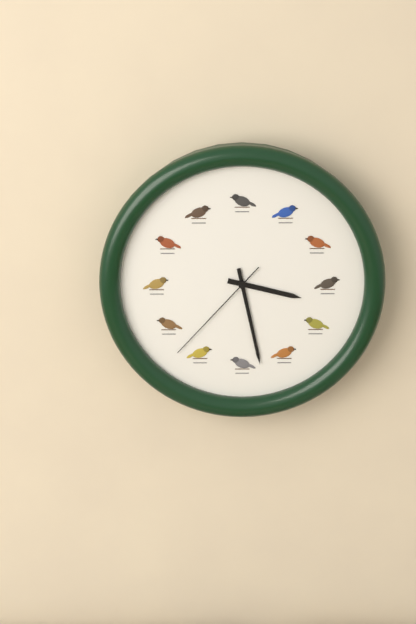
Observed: {"hour": 3, "minute": 28, "second": 37}
